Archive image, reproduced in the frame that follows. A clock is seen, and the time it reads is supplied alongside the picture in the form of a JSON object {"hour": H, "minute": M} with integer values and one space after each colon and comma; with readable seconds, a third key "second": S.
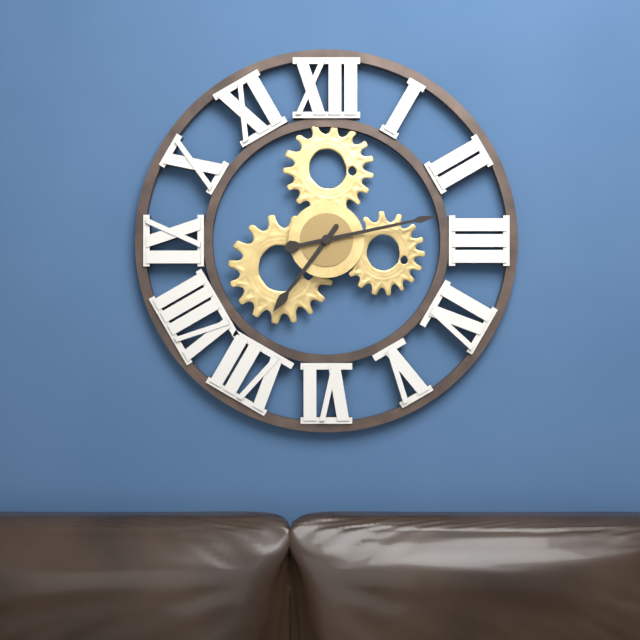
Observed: {"hour": 7, "minute": 13}
